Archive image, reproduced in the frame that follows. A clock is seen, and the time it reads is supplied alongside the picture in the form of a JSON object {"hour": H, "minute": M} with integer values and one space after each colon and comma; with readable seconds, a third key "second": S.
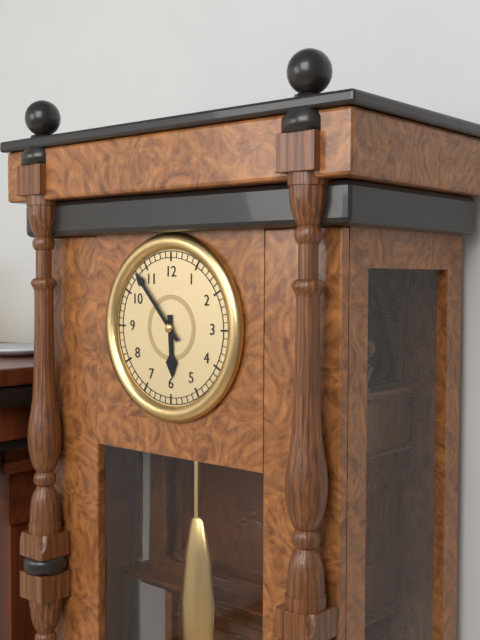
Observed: {"hour": 5, "minute": 53}
